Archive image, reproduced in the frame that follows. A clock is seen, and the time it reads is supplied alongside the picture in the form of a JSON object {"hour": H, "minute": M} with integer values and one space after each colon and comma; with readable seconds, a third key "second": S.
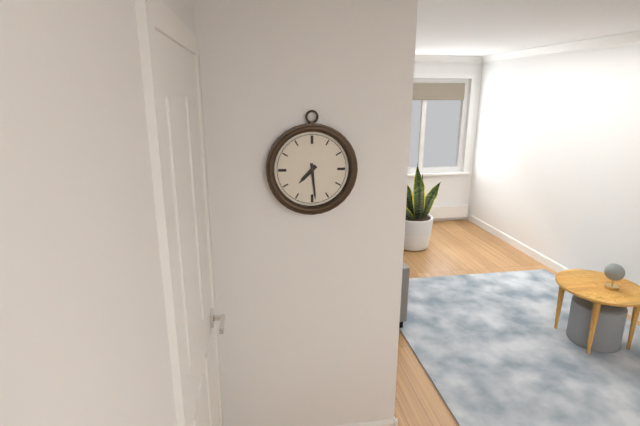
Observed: {"hour": 7, "minute": 29}
